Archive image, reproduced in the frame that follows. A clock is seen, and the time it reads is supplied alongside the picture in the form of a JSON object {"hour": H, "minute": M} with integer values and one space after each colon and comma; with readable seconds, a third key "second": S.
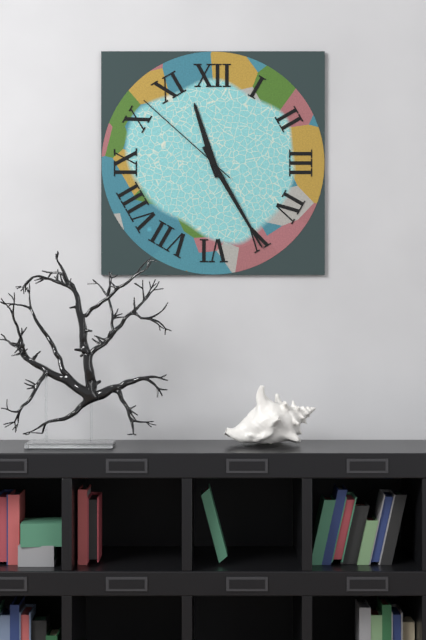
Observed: {"hour": 11, "minute": 25, "second": 52}
